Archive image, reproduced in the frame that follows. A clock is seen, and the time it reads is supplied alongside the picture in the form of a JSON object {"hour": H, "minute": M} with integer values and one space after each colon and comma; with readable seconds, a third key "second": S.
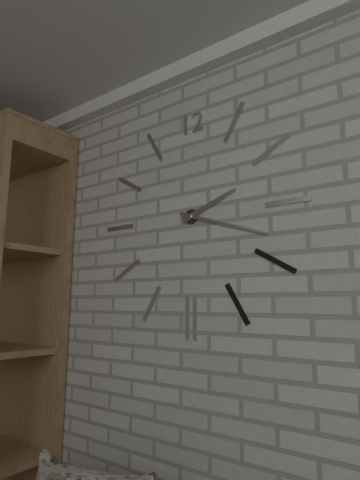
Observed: {"hour": 2, "minute": 18}
